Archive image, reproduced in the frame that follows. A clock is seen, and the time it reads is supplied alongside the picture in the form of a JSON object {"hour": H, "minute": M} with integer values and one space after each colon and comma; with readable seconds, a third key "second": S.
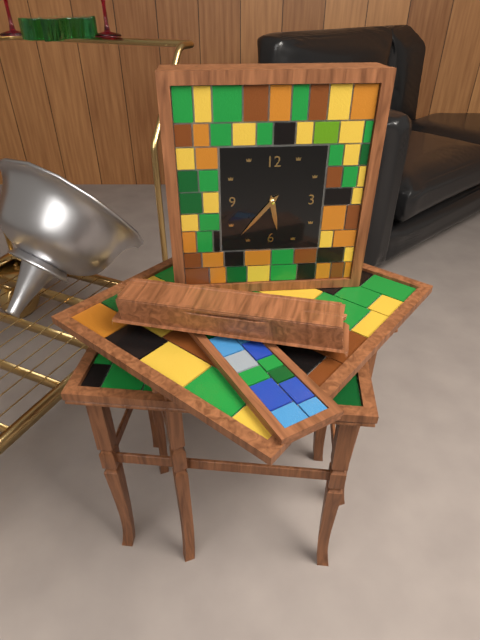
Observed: {"hour": 5, "minute": 37}
